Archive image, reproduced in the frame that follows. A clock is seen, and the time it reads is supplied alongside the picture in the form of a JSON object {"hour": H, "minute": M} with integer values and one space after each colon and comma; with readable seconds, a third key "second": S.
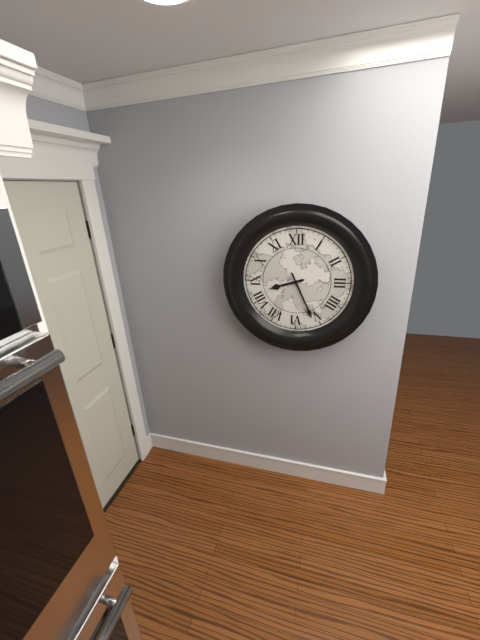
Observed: {"hour": 8, "minute": 26}
